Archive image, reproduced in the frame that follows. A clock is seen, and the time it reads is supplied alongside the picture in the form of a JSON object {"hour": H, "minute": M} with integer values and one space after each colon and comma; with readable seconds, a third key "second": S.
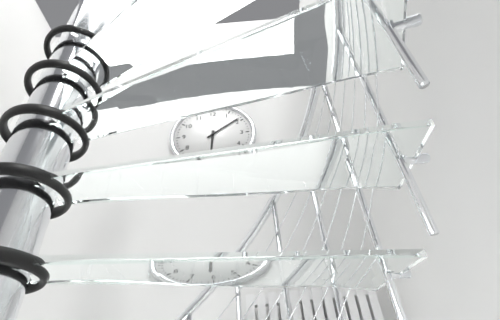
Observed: {"hour": 6, "minute": 9}
